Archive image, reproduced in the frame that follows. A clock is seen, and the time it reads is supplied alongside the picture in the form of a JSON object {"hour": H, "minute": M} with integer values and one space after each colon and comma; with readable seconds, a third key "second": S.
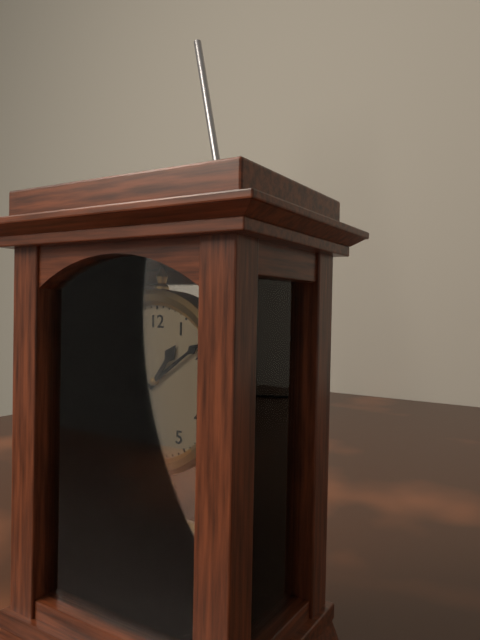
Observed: {"hour": 1, "minute": 9}
